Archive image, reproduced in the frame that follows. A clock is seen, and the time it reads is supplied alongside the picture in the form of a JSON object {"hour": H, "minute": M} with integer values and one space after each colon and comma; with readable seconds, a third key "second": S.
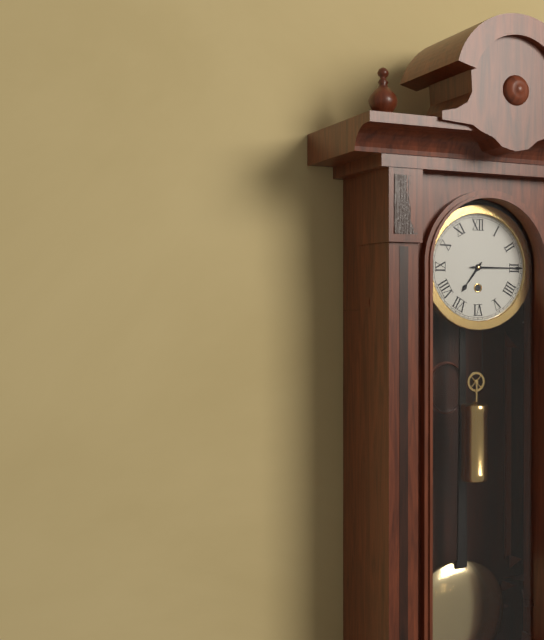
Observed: {"hour": 7, "minute": 15}
